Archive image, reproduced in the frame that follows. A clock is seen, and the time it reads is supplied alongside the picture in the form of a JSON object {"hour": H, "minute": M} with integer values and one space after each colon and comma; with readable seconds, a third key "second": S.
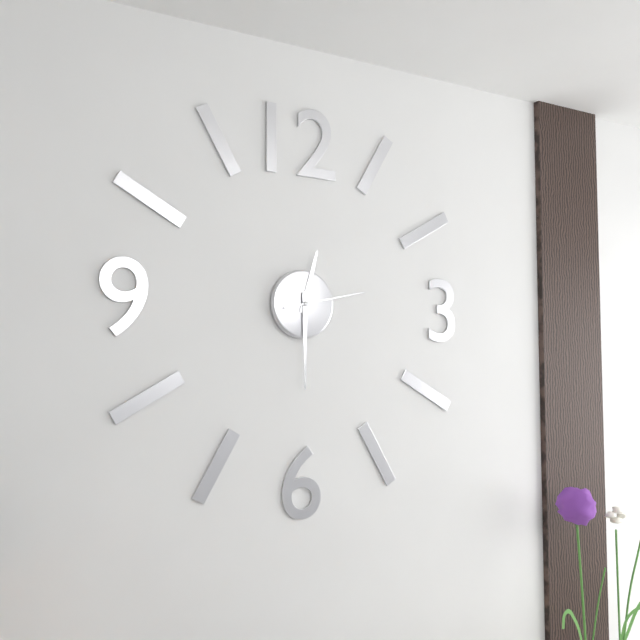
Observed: {"hour": 12, "minute": 30, "second": 13}
